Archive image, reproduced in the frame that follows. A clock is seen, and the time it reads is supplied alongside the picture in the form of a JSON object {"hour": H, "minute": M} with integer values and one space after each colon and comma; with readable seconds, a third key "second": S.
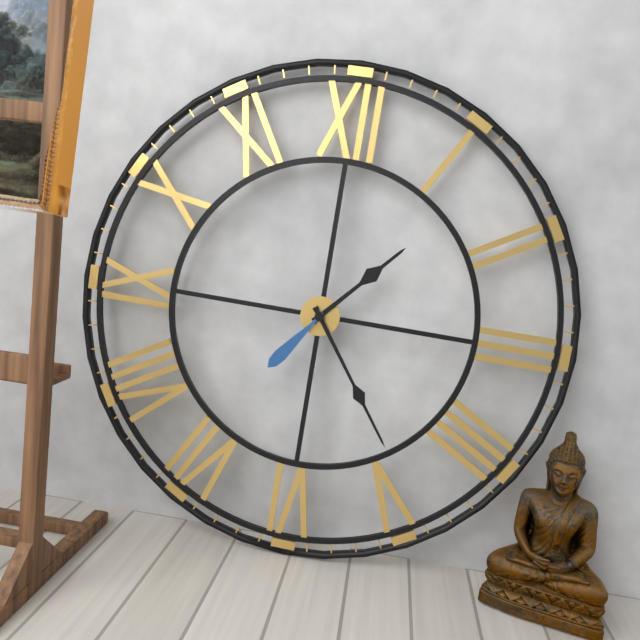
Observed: {"hour": 1, "minute": 24, "second": 36}
